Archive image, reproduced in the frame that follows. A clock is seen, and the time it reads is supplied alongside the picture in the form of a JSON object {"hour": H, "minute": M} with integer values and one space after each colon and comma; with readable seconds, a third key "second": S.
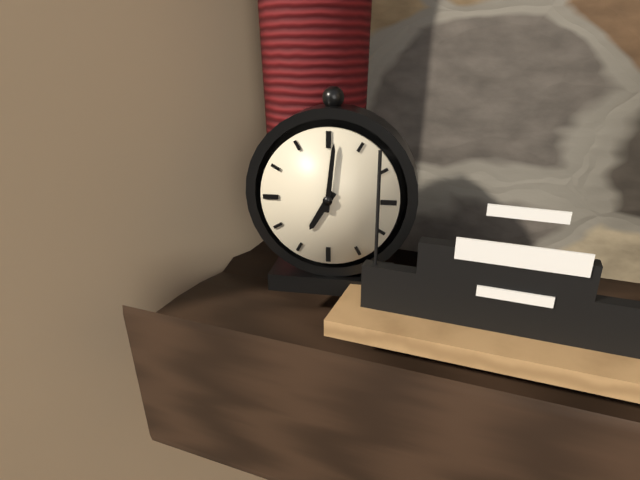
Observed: {"hour": 7, "minute": 1}
